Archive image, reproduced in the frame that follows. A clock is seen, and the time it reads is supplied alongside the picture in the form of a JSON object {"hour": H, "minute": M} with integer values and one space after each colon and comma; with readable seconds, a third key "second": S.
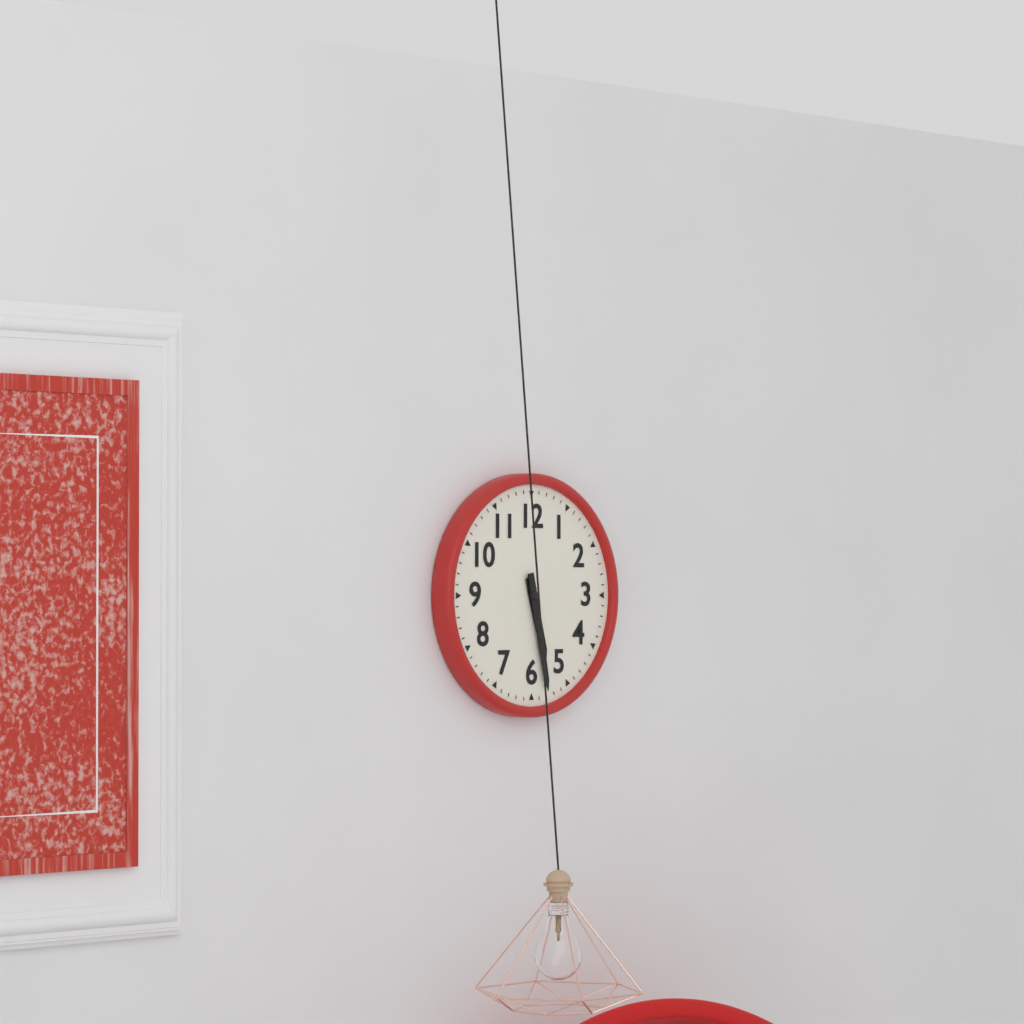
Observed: {"hour": 5, "minute": 28}
